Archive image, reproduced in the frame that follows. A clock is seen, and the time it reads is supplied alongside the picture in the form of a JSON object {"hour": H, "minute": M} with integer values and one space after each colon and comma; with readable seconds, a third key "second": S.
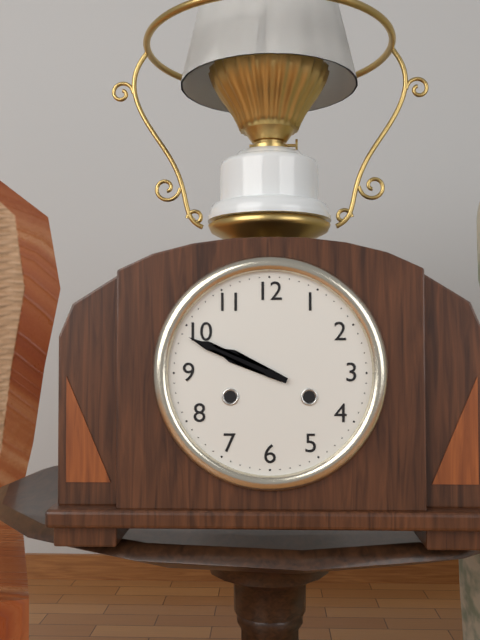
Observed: {"hour": 9, "minute": 49}
